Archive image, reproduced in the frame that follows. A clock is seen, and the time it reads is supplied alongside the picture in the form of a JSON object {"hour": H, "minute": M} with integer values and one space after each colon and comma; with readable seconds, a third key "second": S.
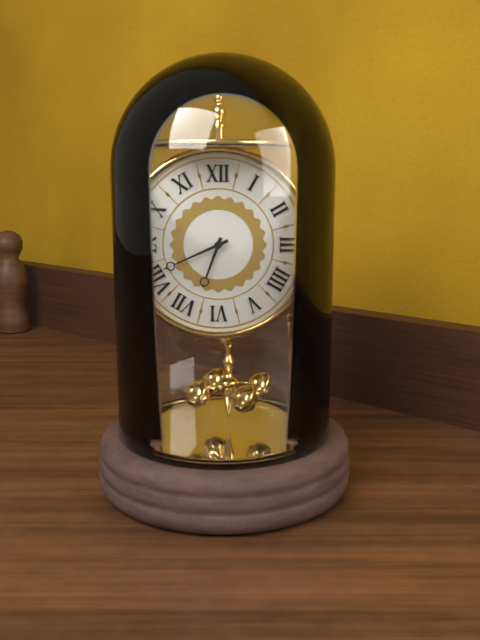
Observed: {"hour": 6, "minute": 41}
